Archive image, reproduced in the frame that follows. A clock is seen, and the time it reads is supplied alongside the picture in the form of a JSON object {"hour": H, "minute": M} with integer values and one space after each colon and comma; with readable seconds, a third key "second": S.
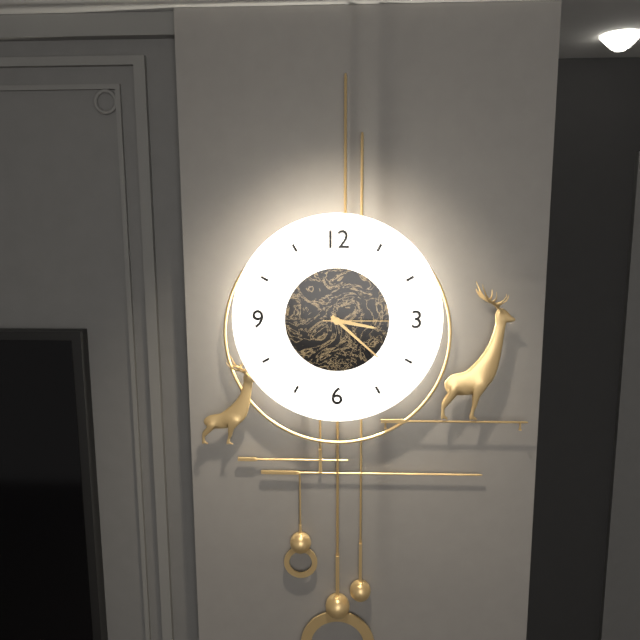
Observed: {"hour": 3, "minute": 22, "second": 15}
